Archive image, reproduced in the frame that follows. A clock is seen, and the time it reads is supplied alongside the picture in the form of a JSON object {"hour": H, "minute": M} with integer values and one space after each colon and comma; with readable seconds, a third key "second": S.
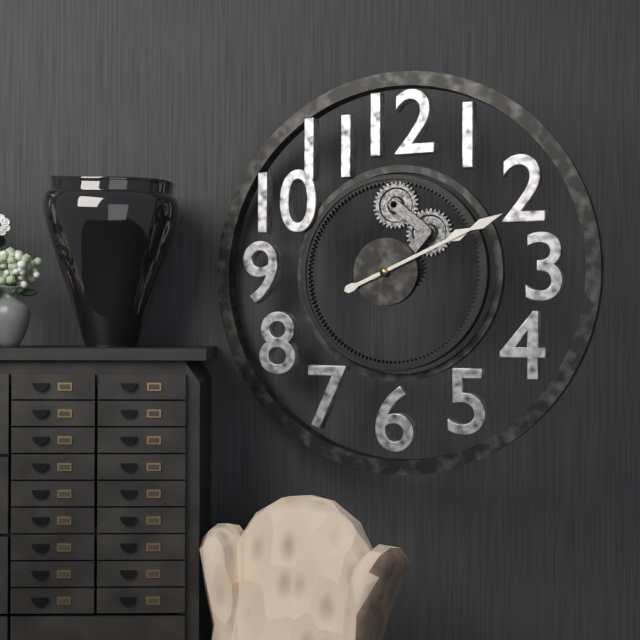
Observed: {"hour": 2, "minute": 11}
